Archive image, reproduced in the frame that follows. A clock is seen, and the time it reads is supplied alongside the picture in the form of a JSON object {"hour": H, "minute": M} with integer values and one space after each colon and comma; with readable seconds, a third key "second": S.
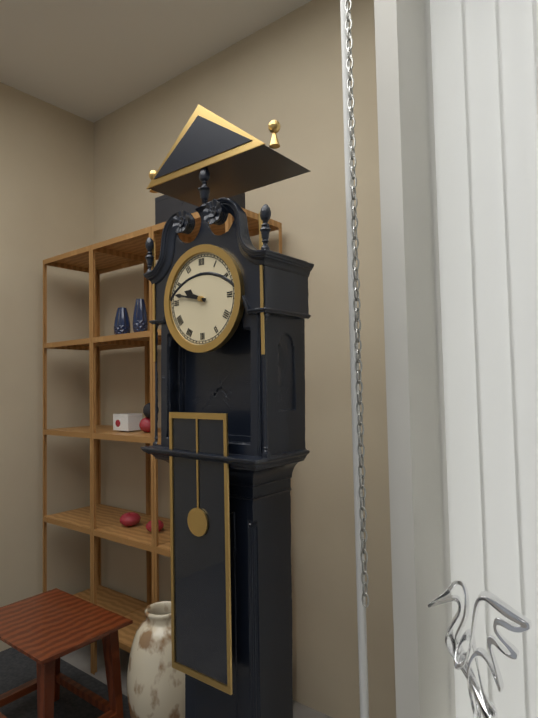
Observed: {"hour": 9, "minute": 47}
